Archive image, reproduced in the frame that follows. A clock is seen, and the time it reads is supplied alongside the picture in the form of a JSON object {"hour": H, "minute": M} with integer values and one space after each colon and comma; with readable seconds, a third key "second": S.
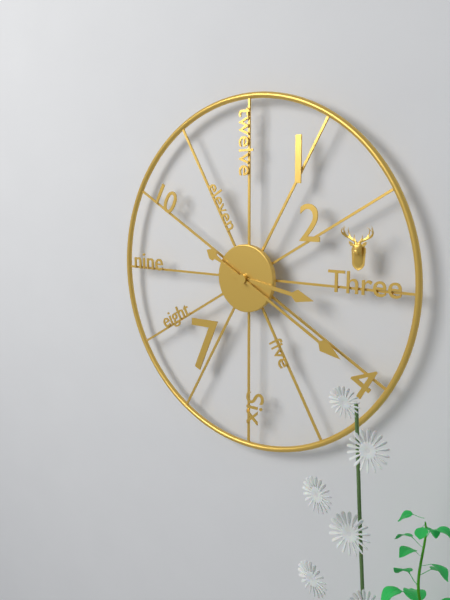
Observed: {"hour": 3, "minute": 20}
